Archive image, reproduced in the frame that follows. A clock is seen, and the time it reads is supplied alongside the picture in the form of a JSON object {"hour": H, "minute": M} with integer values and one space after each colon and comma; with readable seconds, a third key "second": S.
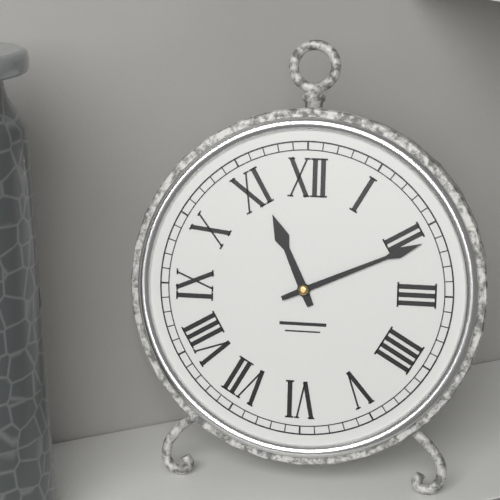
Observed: {"hour": 11, "minute": 11}
